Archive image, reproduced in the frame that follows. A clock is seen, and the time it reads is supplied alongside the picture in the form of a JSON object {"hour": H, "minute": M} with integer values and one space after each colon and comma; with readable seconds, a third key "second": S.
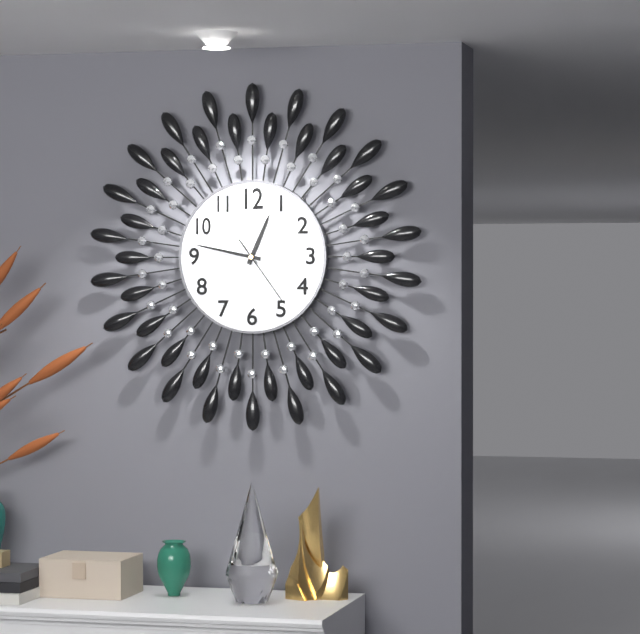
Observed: {"hour": 12, "minute": 47, "second": 24}
